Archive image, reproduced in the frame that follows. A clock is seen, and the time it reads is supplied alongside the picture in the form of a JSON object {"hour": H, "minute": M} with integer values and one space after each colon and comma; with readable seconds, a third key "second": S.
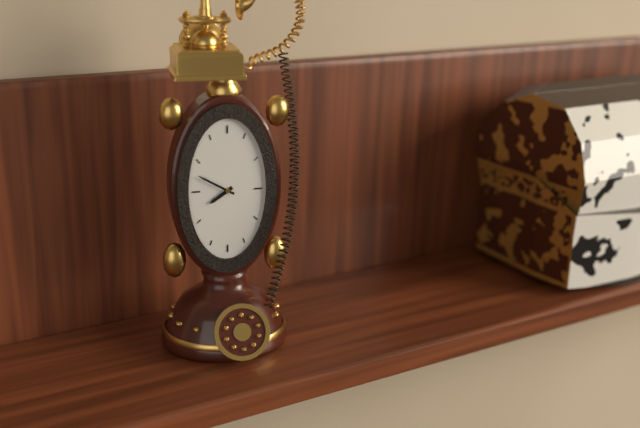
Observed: {"hour": 7, "minute": 50}
